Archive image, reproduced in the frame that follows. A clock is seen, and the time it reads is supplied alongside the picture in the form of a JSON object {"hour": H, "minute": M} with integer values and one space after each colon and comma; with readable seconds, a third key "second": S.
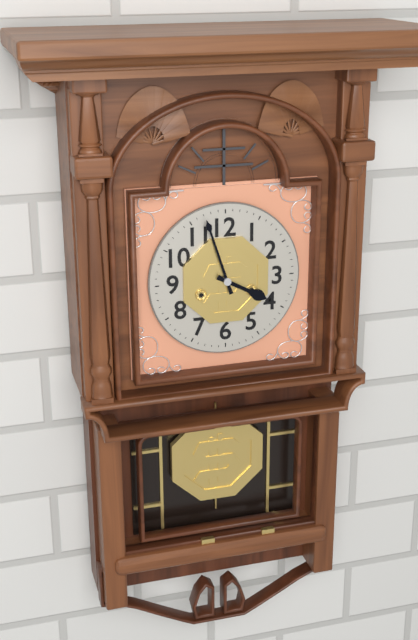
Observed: {"hour": 3, "minute": 57}
